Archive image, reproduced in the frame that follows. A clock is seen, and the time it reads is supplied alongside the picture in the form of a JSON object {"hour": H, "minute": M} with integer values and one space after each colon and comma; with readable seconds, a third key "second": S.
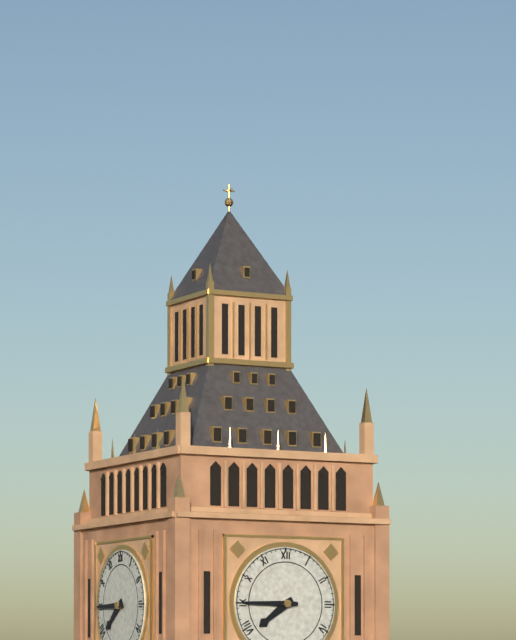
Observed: {"hour": 7, "minute": 45}
